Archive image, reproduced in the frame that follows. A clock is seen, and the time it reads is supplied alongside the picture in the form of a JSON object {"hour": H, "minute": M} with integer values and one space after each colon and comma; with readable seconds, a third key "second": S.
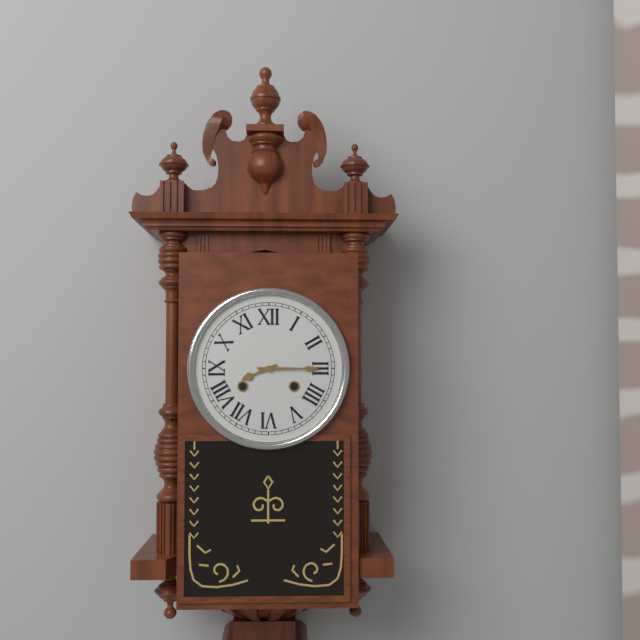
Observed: {"hour": 8, "minute": 15}
